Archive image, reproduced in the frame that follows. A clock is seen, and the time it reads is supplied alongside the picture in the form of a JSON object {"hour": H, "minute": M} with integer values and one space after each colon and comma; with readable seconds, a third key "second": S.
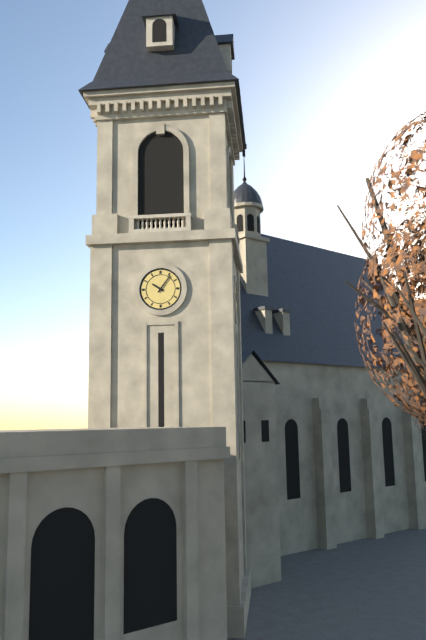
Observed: {"hour": 10, "minute": 6}
